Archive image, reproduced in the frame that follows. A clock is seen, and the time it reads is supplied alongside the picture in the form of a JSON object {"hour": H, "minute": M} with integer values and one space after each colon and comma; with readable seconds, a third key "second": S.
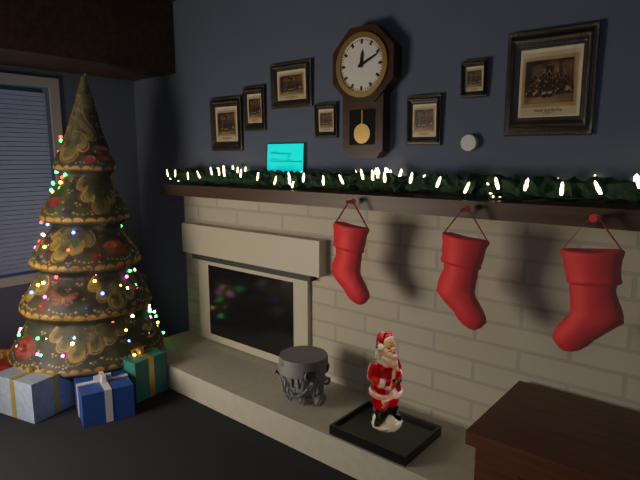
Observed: {"hour": 12, "minute": 11}
